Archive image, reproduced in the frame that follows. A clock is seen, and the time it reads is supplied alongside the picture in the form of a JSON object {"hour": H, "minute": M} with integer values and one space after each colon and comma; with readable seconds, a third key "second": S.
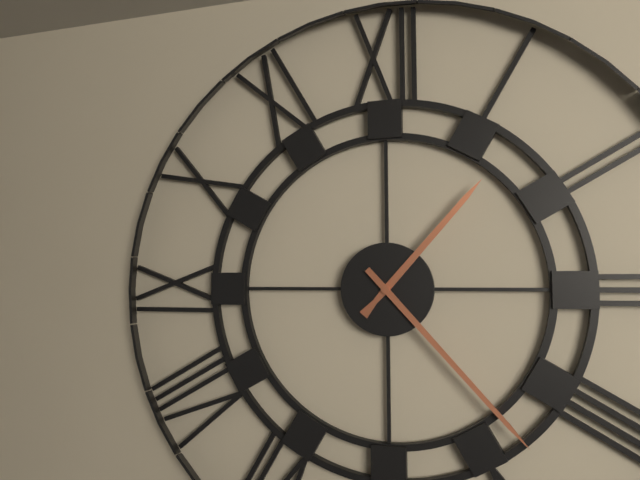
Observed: {"hour": 1, "minute": 23}
